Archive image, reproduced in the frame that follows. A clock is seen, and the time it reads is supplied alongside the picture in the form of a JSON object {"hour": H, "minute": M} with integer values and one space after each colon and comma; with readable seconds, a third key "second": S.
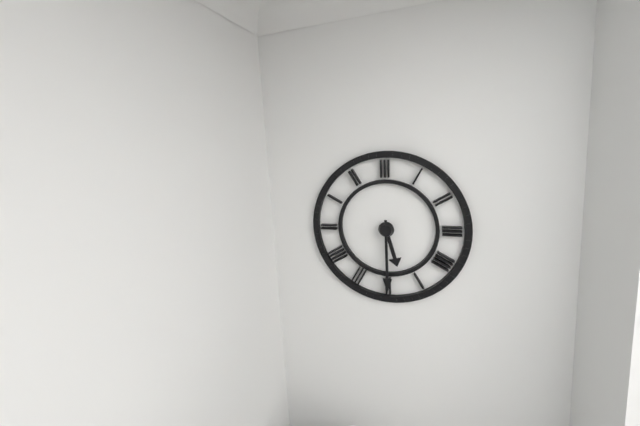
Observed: {"hour": 5, "minute": 30}
